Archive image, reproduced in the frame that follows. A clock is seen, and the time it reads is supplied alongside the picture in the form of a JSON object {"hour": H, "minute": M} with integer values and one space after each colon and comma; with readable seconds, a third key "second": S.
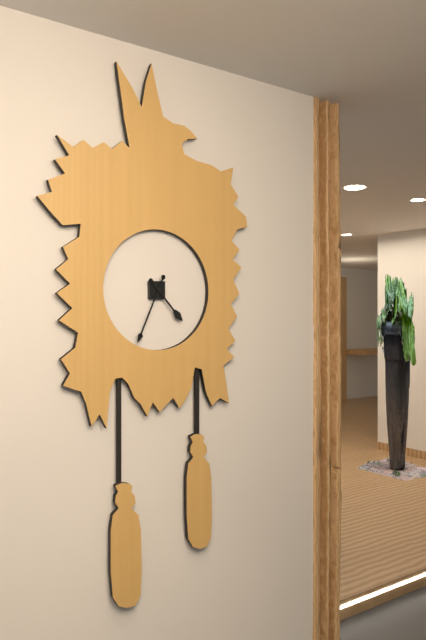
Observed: {"hour": 4, "minute": 34}
